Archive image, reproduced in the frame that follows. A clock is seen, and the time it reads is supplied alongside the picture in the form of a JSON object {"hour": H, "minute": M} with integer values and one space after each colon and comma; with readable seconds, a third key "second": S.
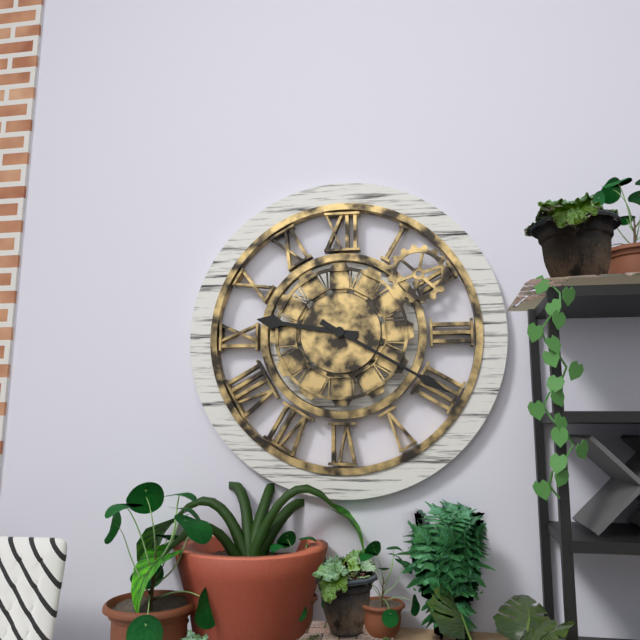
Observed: {"hour": 9, "minute": 20}
